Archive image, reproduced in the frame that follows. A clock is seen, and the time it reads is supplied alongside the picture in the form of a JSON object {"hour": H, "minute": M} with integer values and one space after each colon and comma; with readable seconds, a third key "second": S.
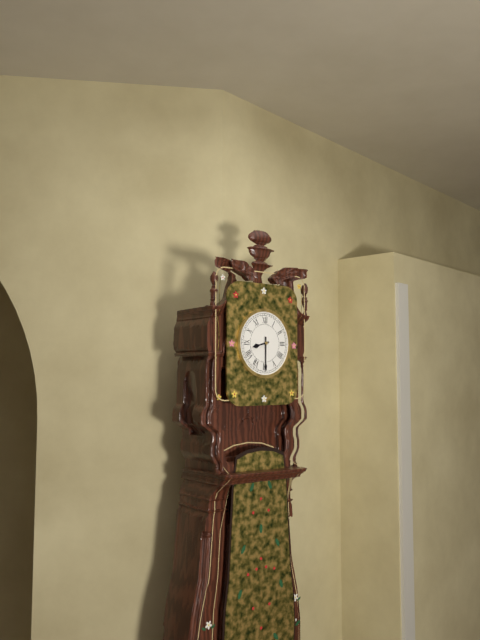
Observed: {"hour": 8, "minute": 30}
